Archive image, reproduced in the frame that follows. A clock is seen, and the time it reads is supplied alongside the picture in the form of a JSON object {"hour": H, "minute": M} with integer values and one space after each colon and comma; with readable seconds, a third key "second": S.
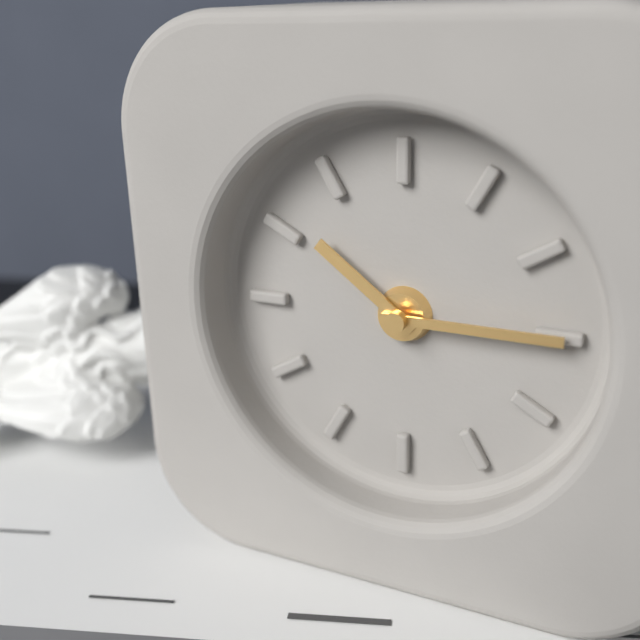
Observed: {"hour": 10, "minute": 15}
